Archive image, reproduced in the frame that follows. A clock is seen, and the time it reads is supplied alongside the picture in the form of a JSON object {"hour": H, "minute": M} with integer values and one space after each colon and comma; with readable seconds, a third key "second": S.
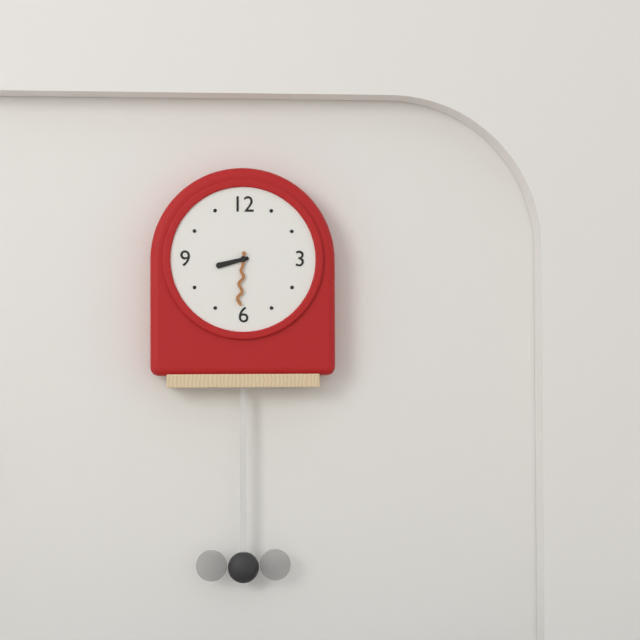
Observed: {"hour": 8, "minute": 31}
